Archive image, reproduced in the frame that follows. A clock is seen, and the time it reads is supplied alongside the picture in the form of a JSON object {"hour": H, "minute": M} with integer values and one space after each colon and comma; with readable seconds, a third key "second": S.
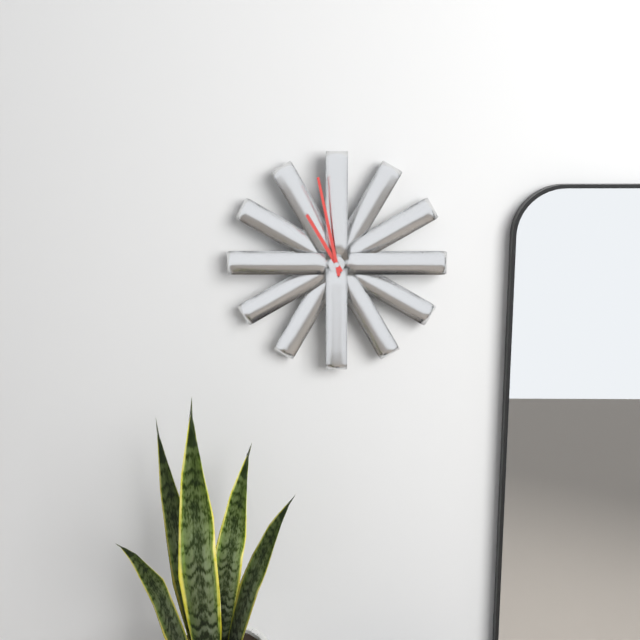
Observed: {"hour": 10, "minute": 58}
